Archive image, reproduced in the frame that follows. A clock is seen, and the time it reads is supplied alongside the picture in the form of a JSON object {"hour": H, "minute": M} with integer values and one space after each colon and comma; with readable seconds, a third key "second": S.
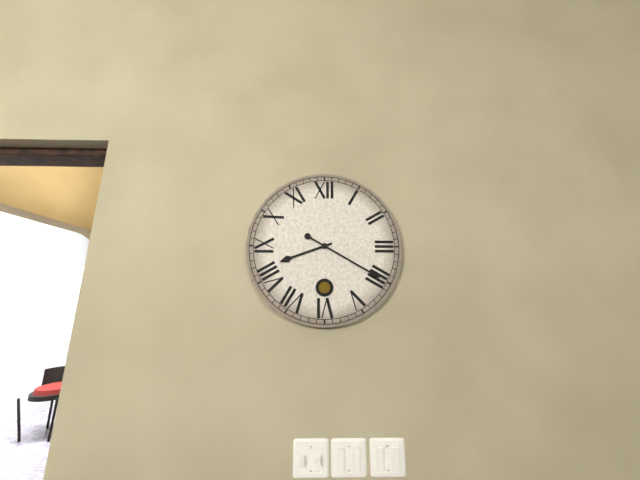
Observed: {"hour": 8, "minute": 20}
